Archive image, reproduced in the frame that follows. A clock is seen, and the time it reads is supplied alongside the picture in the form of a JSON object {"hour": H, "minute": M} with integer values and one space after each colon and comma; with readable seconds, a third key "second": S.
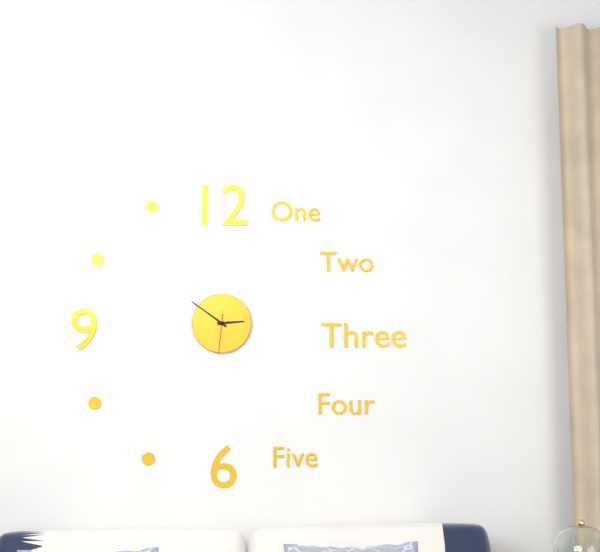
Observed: {"hour": 2, "minute": 51}
